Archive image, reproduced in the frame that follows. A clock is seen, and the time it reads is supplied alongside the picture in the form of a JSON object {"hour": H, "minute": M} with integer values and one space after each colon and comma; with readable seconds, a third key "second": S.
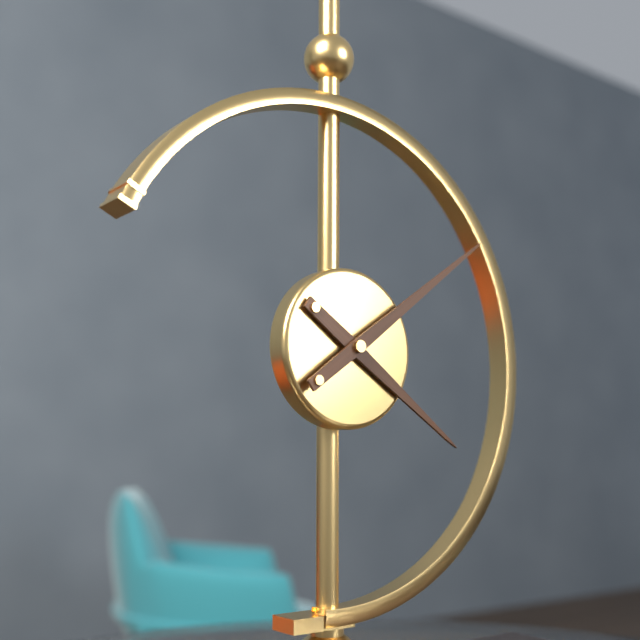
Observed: {"hour": 4, "minute": 9}
